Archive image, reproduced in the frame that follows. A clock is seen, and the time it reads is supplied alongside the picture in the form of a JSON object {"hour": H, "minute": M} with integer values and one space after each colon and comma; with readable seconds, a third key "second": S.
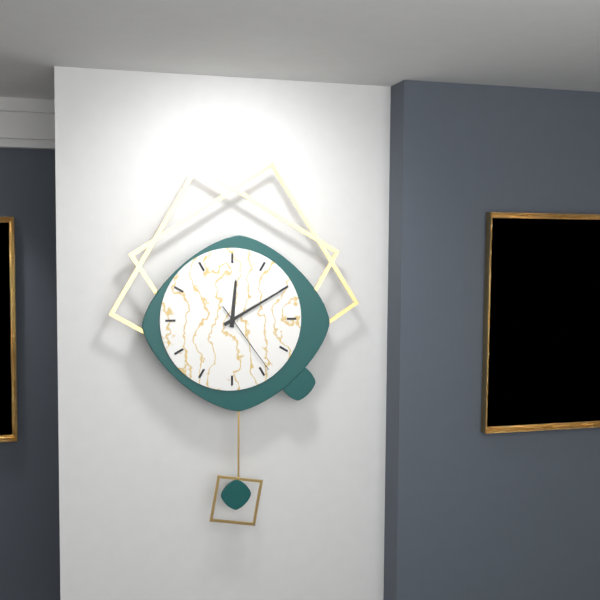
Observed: {"hour": 12, "minute": 10, "second": 24}
